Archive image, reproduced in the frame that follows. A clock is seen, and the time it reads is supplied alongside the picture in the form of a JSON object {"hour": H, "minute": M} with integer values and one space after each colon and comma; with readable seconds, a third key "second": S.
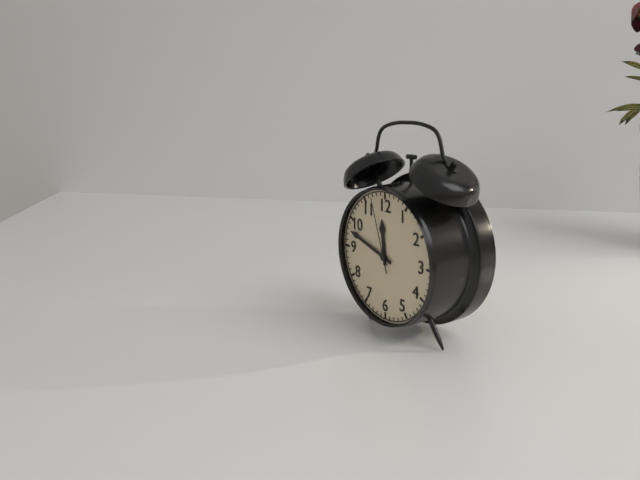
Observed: {"hour": 11, "minute": 48, "second": 57}
